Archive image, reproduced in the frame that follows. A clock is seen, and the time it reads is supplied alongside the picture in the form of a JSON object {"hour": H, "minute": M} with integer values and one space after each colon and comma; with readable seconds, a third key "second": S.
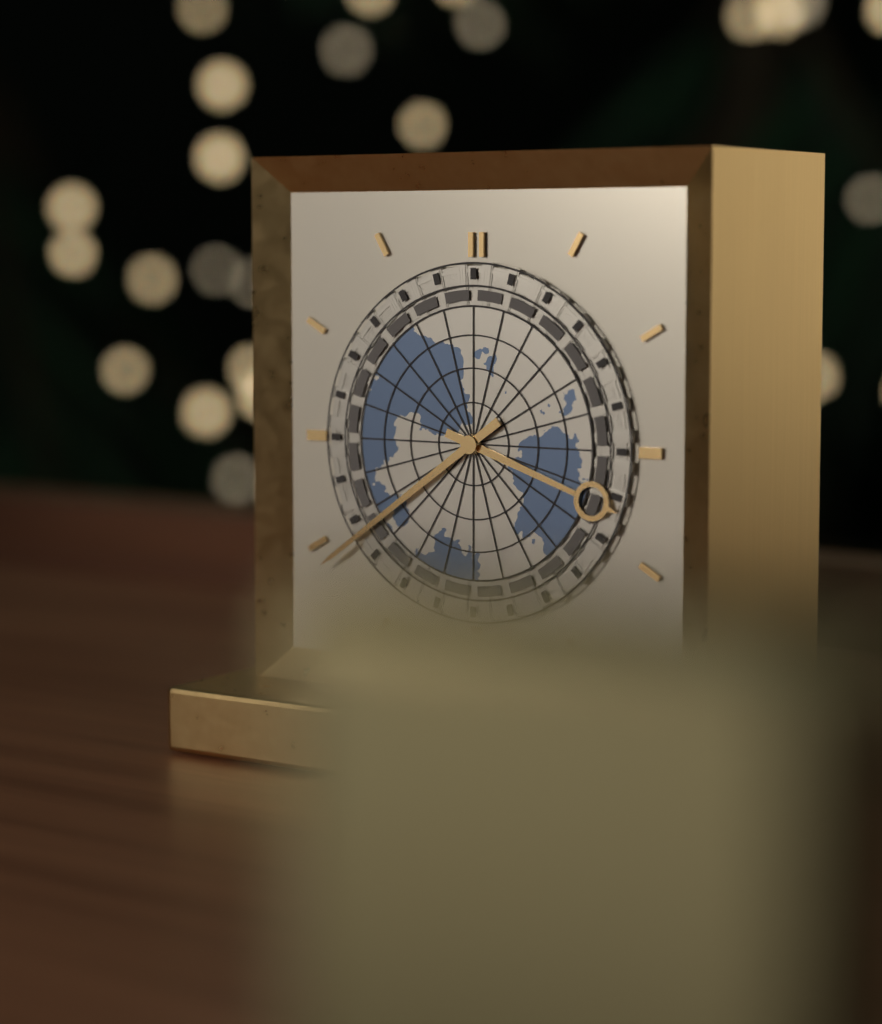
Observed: {"hour": 3, "minute": 39}
